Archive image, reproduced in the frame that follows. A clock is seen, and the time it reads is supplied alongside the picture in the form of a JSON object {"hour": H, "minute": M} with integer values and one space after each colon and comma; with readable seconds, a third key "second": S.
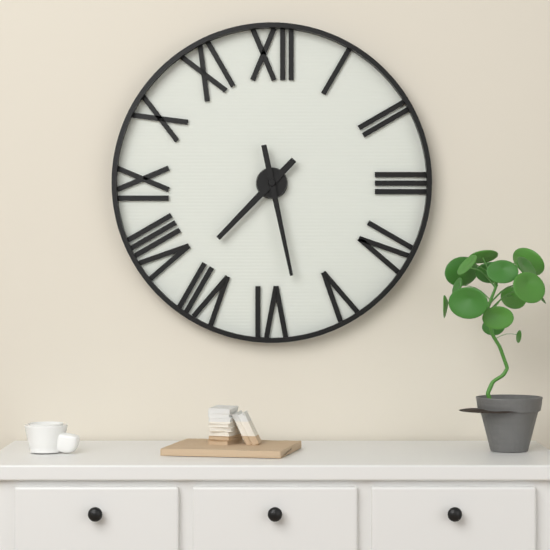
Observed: {"hour": 7, "minute": 28}
